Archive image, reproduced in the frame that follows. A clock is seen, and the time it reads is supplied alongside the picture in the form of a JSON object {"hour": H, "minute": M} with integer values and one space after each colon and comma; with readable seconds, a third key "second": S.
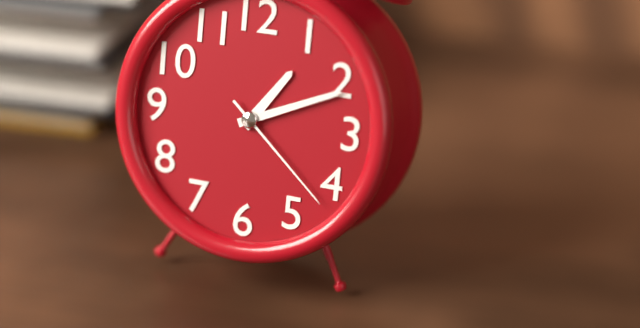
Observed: {"hour": 1, "minute": 11, "second": 22}
